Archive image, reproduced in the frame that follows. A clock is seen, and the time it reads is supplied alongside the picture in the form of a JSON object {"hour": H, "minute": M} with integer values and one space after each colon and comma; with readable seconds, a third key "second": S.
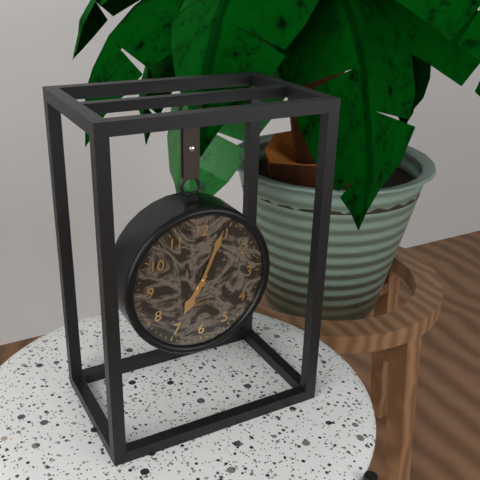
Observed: {"hour": 7, "minute": 4}
